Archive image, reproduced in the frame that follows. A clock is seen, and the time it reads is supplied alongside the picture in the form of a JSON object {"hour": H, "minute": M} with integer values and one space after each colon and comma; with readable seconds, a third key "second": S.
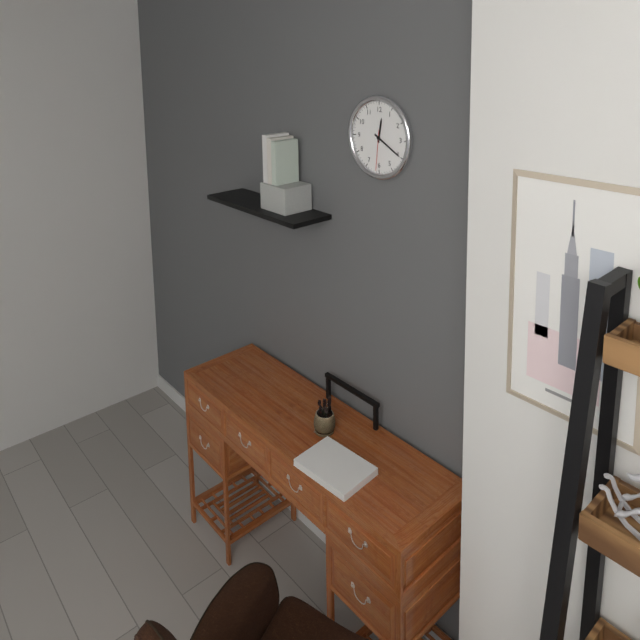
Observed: {"hour": 12, "minute": 20}
